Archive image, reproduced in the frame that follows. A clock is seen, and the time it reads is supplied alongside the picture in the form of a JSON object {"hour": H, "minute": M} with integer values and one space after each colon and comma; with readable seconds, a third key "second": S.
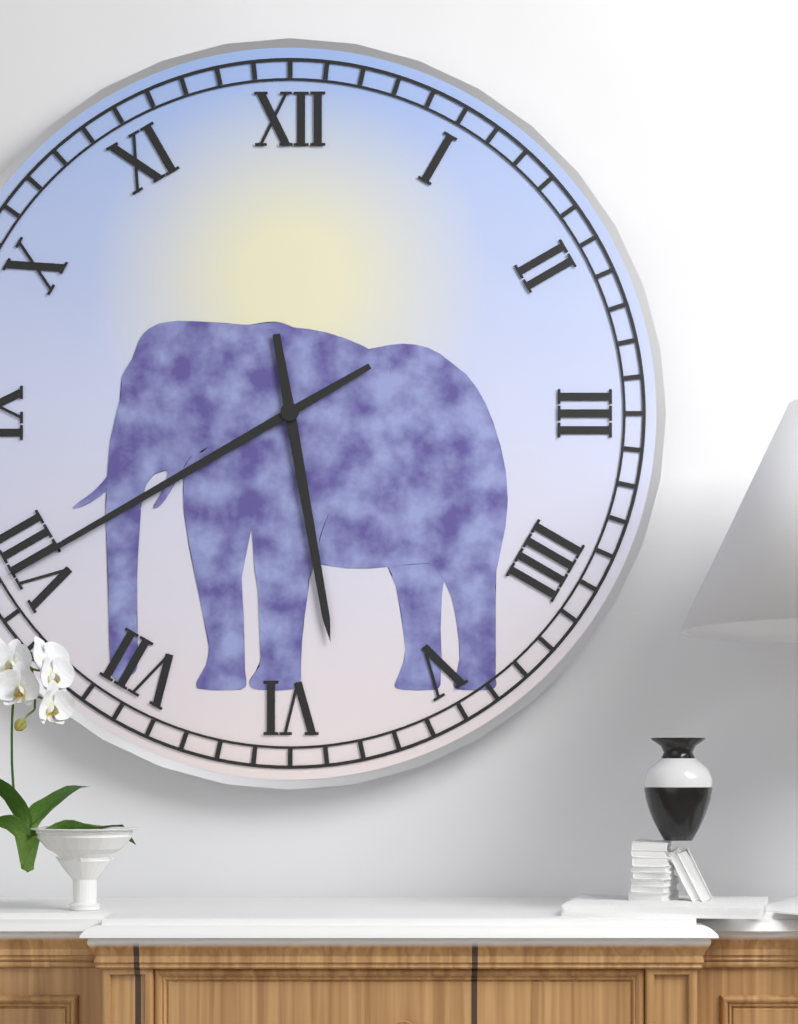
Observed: {"hour": 5, "minute": 40}
